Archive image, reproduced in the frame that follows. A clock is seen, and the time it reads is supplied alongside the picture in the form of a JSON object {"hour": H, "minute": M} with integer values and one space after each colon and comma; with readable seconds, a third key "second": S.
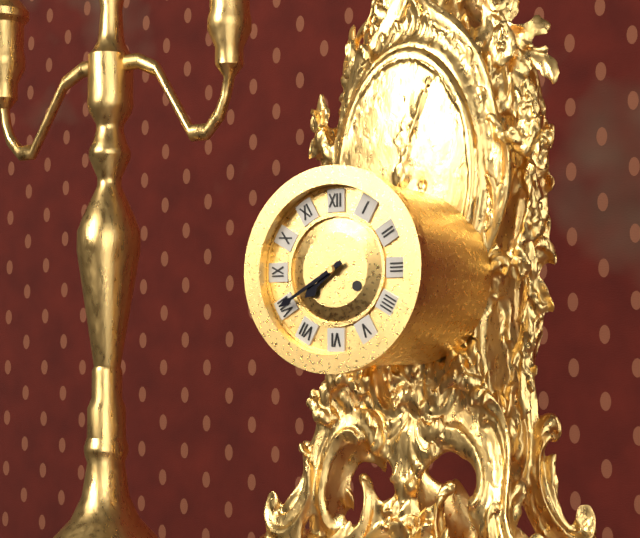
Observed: {"hour": 7, "minute": 40}
